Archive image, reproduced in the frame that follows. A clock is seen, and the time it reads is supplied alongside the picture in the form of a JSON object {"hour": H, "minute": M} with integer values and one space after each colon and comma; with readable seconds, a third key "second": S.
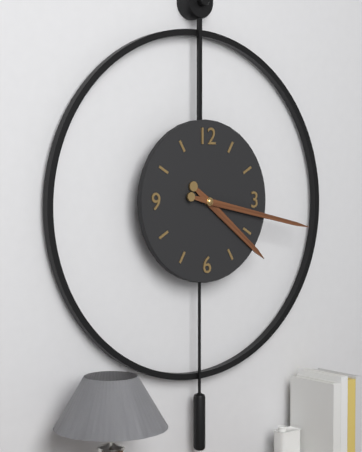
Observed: {"hour": 4, "minute": 17}
